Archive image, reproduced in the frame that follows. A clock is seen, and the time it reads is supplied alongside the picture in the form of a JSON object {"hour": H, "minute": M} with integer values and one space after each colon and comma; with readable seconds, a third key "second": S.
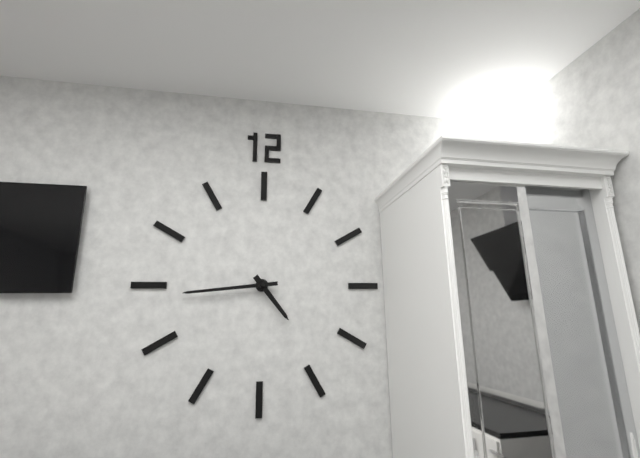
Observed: {"hour": 4, "minute": 44}
